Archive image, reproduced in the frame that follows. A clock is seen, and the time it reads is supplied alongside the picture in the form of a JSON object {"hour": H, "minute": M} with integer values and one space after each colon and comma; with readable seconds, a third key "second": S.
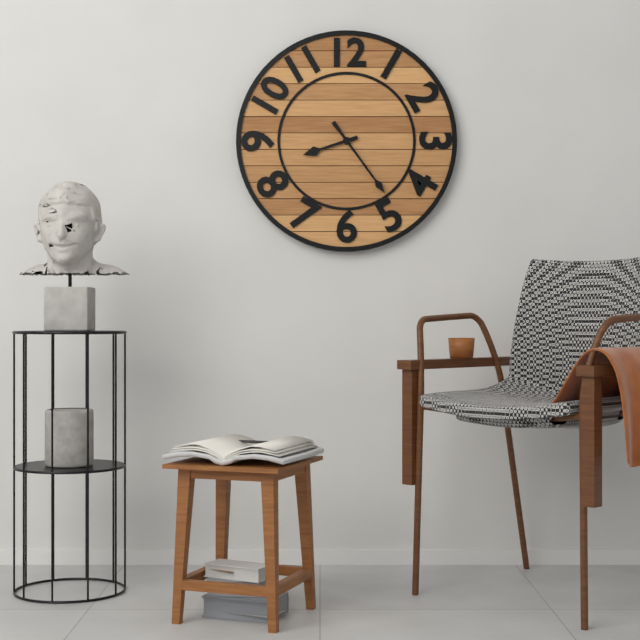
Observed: {"hour": 8, "minute": 24}
